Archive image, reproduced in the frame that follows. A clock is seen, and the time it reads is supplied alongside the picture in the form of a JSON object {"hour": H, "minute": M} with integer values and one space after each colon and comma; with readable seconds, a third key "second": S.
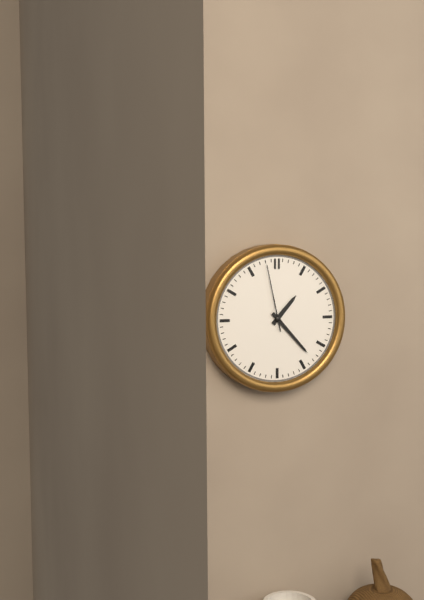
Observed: {"hour": 1, "minute": 23, "second": 58}
